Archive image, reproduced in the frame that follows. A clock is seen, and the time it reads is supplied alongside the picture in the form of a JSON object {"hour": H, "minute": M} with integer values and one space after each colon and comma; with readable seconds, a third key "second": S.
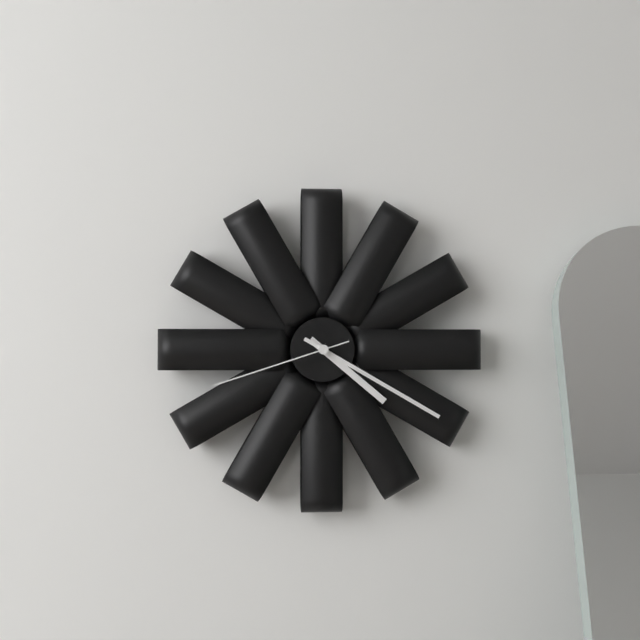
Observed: {"hour": 4, "minute": 20, "second": 42}
